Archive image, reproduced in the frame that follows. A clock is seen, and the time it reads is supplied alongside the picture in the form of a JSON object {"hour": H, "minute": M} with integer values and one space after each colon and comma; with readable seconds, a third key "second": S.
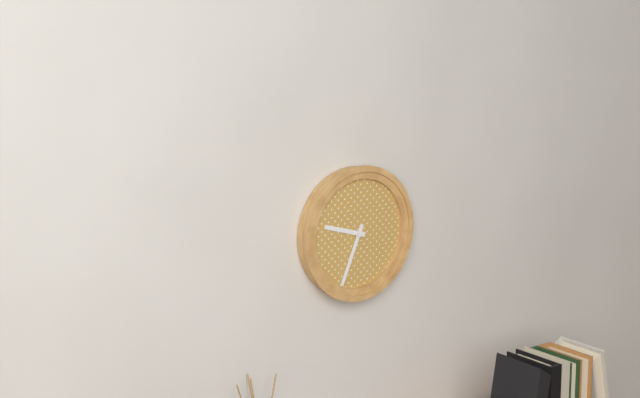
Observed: {"hour": 9, "minute": 34}
